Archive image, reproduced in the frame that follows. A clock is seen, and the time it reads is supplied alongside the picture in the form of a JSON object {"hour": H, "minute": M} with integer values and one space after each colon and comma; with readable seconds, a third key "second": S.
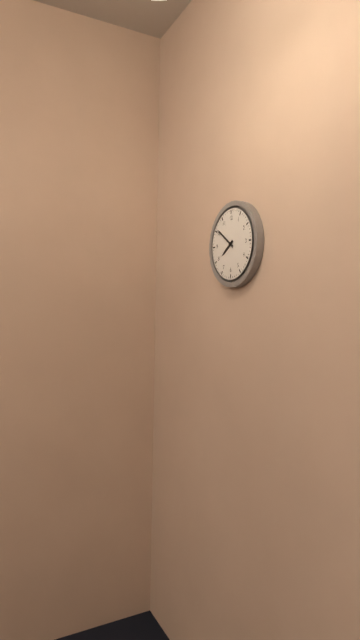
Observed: {"hour": 7, "minute": 51}
